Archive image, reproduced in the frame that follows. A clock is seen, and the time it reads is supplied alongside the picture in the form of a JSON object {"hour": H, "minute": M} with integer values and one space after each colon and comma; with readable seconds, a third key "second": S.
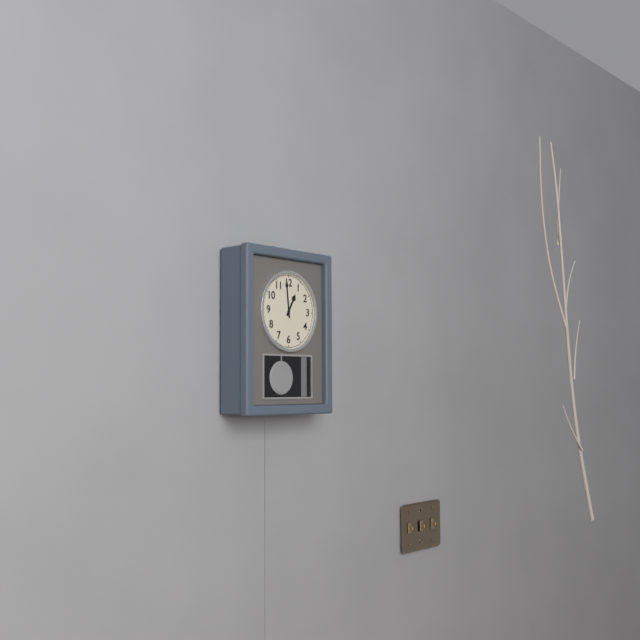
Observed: {"hour": 12, "minute": 59}
